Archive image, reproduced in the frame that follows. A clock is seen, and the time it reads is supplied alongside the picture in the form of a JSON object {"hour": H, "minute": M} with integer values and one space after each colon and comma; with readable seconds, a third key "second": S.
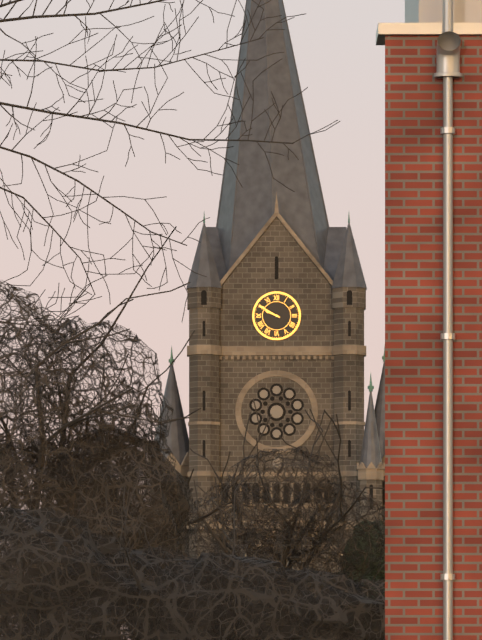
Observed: {"hour": 9, "minute": 50}
